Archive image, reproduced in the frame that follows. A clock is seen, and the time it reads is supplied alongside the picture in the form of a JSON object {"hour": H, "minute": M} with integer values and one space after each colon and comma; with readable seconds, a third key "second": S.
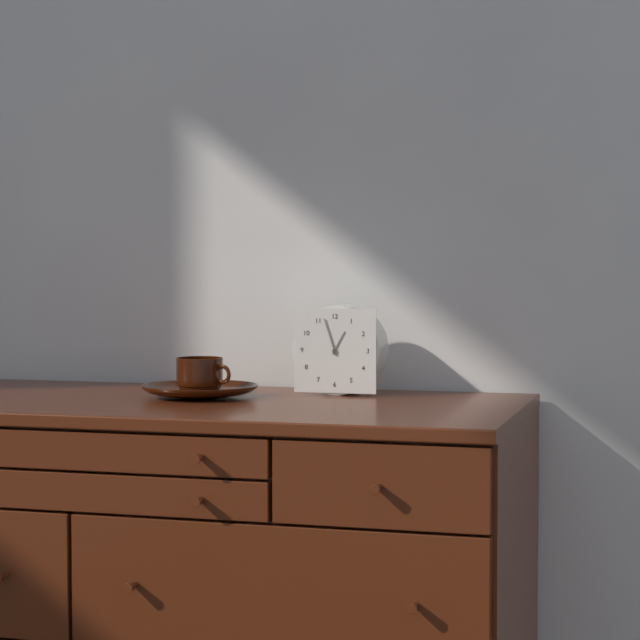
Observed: {"hour": 12, "minute": 57}
